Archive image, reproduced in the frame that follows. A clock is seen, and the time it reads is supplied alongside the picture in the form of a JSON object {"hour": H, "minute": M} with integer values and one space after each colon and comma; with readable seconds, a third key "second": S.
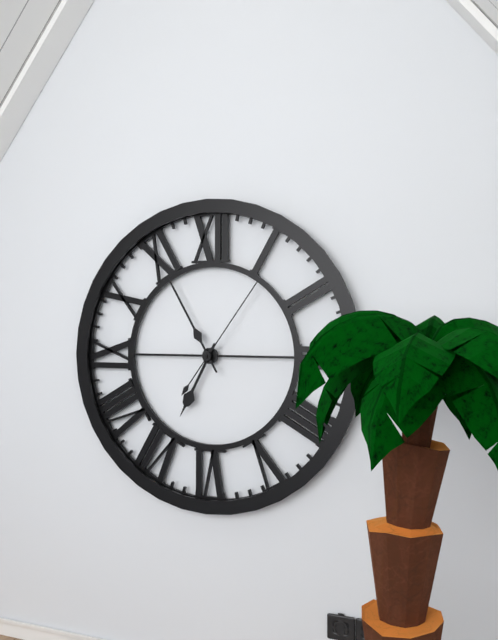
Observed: {"hour": 6, "minute": 55, "second": 6}
